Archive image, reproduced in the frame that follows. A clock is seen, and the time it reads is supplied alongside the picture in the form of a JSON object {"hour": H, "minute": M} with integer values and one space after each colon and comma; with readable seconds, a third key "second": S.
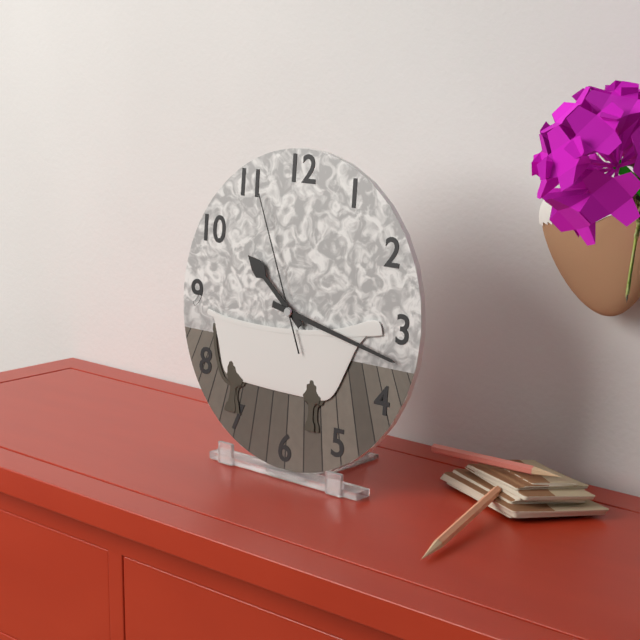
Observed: {"hour": 10, "minute": 17, "second": 56}
